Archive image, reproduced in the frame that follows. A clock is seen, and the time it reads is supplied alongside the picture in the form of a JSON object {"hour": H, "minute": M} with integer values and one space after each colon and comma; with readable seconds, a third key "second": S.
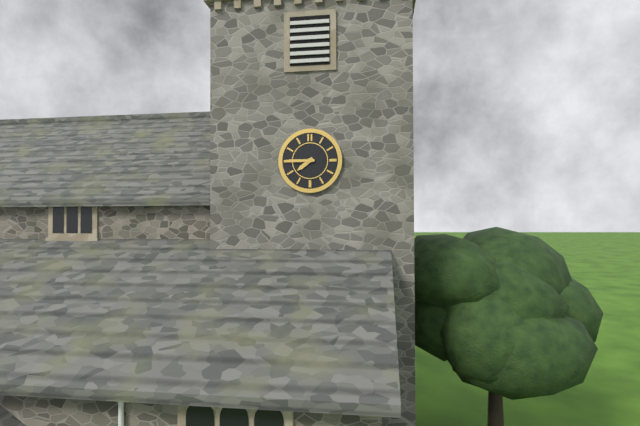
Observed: {"hour": 7, "minute": 45}
